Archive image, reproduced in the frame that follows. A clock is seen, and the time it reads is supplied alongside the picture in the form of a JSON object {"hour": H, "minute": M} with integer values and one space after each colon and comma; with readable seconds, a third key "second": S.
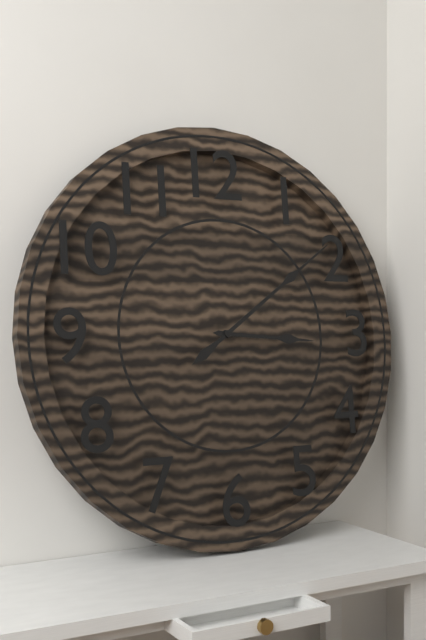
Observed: {"hour": 3, "minute": 9}
